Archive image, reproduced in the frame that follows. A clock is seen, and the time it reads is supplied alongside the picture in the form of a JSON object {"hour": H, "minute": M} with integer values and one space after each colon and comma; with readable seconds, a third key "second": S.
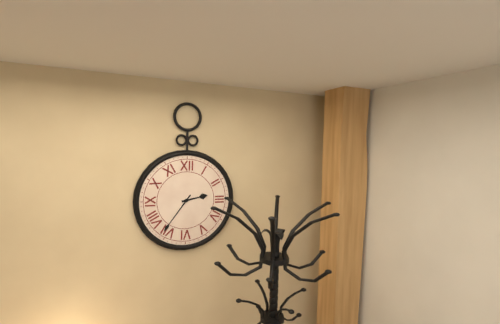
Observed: {"hour": 2, "minute": 36}
